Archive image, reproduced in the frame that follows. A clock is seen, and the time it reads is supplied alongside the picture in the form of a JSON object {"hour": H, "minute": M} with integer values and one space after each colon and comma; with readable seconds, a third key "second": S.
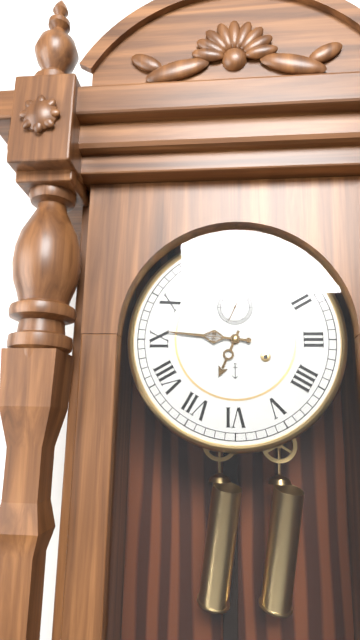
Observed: {"hour": 6, "minute": 46}
